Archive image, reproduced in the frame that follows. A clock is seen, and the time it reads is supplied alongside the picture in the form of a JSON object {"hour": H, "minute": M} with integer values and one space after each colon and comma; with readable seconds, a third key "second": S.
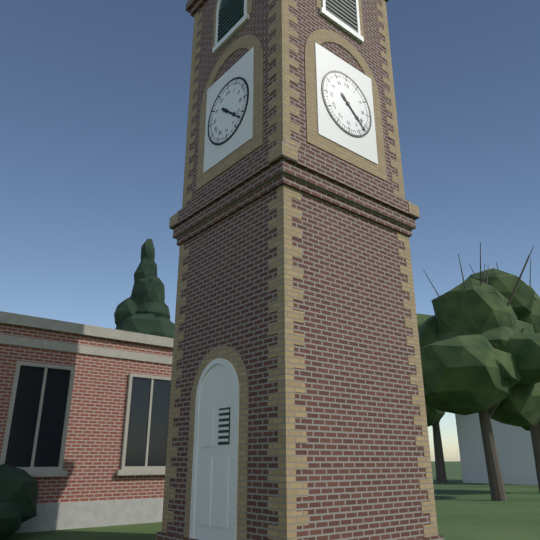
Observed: {"hour": 4, "minute": 22}
